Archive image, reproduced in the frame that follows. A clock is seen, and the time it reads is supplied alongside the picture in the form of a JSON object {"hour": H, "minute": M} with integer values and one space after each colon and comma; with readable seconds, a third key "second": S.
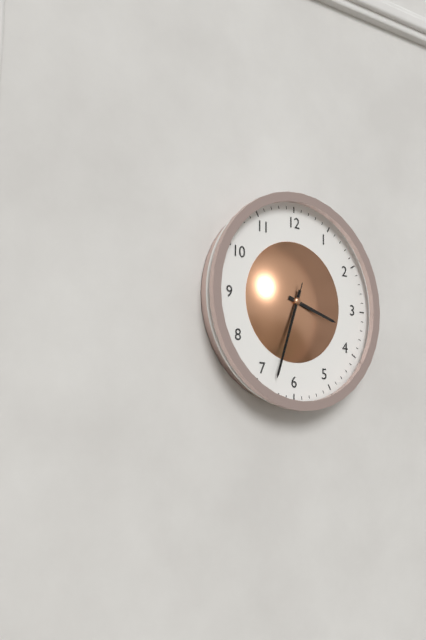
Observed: {"hour": 3, "minute": 33, "second": 33}
